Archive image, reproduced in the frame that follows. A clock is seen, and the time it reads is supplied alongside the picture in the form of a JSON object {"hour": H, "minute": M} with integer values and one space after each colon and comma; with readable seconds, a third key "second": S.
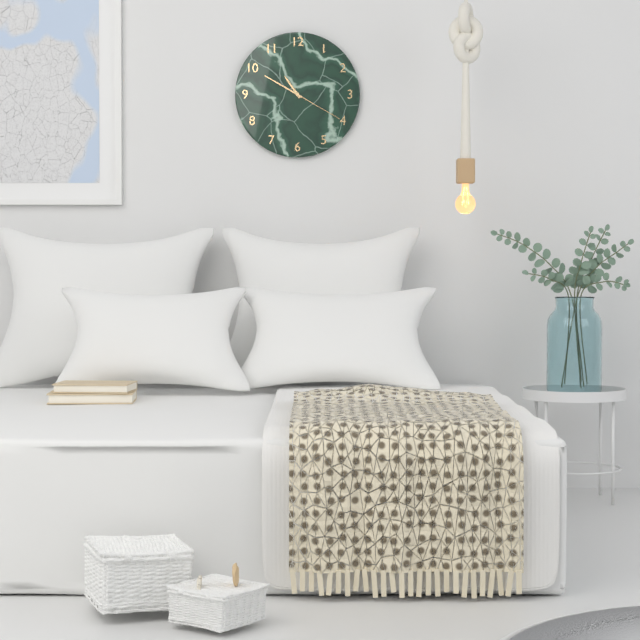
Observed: {"hour": 10, "minute": 50, "second": 20}
